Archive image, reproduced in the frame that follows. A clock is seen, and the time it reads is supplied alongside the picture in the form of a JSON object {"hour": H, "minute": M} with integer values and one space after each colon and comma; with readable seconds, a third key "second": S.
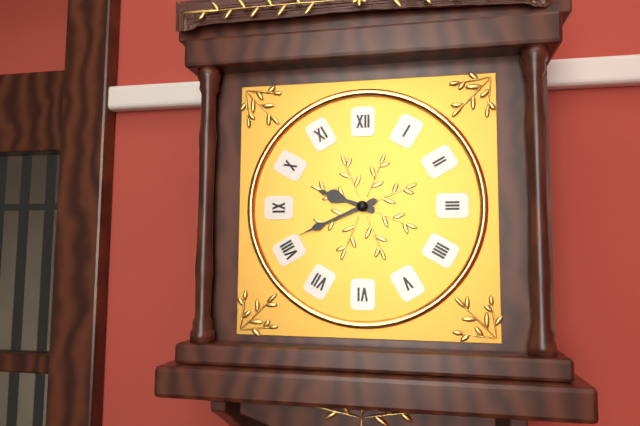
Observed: {"hour": 9, "minute": 41}
